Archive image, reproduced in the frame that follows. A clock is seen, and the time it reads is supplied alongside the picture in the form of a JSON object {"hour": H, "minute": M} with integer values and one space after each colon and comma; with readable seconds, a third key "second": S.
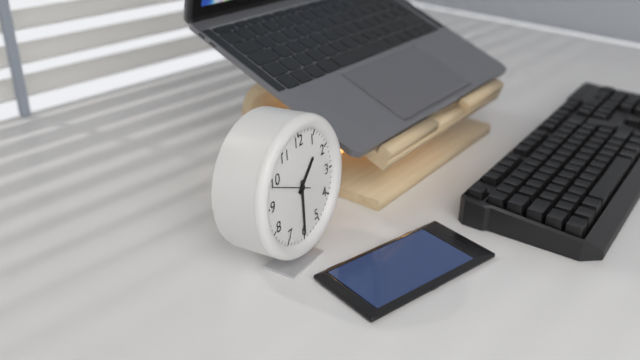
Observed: {"hour": 1, "minute": 30}
